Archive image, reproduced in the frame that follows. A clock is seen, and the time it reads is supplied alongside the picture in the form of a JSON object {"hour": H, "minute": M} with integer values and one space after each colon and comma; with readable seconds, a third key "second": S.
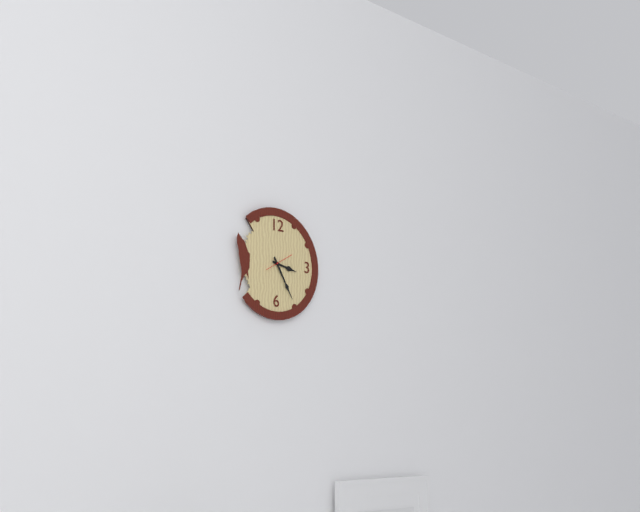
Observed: {"hour": 3, "minute": 25}
